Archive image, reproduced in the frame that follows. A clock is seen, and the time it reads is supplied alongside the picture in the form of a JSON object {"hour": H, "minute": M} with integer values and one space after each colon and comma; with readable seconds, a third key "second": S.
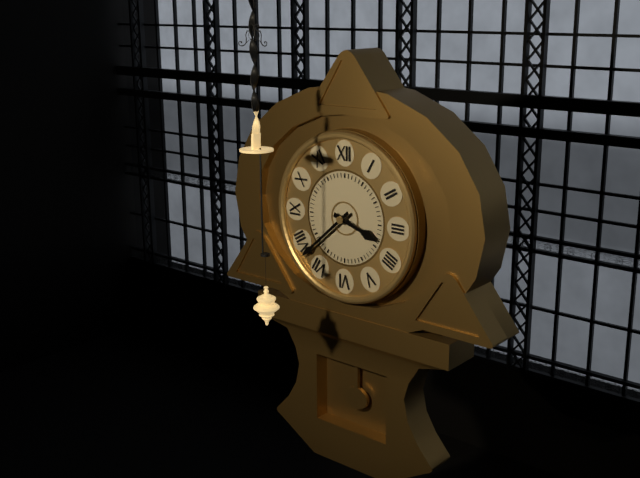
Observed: {"hour": 3, "minute": 38}
